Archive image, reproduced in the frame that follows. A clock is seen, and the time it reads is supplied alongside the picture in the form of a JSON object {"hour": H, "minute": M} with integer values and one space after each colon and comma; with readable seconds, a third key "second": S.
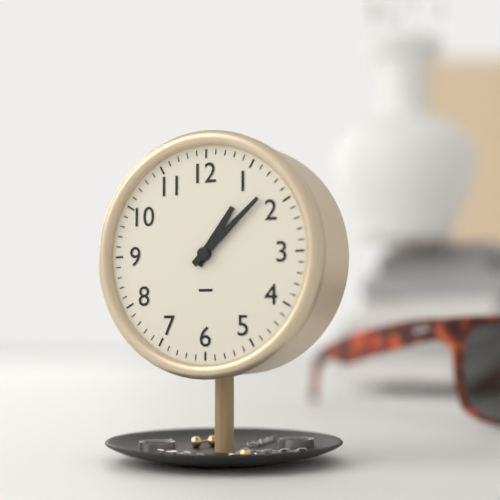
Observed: {"hour": 1, "minute": 8}
